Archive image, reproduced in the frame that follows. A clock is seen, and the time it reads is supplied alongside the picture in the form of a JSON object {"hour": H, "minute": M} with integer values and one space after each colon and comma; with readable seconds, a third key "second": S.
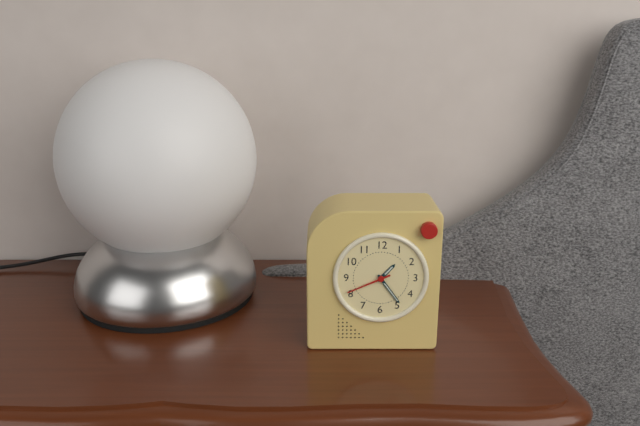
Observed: {"hour": 1, "minute": 24}
